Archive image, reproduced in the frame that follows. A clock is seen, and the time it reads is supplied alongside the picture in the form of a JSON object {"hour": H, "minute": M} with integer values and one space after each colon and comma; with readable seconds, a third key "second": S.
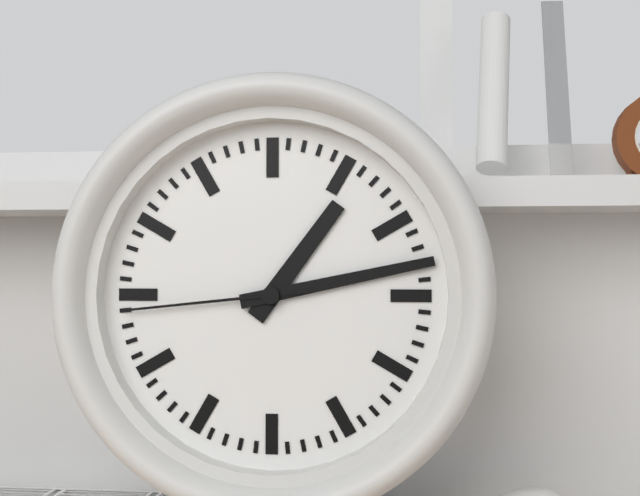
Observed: {"hour": 1, "minute": 13, "second": 44}
